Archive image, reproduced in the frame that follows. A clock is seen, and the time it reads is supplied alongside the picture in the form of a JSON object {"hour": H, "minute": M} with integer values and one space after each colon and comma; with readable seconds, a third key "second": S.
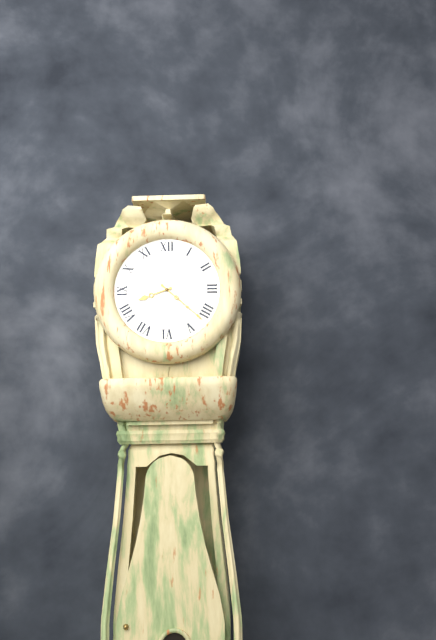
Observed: {"hour": 8, "minute": 22}
